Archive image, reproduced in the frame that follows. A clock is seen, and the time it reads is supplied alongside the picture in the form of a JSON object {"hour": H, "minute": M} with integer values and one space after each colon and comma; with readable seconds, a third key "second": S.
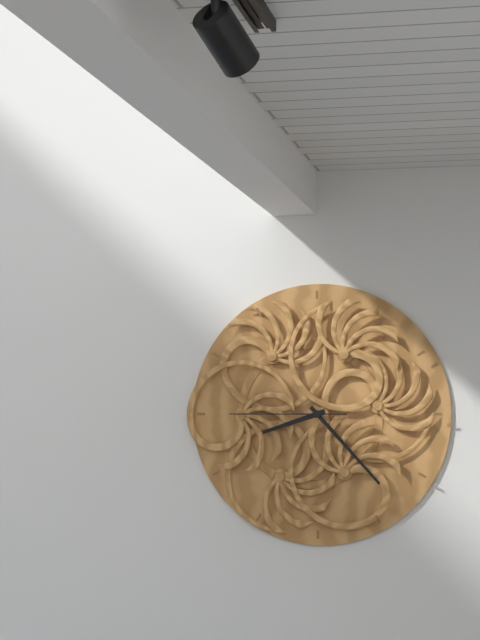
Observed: {"hour": 8, "minute": 23, "second": 45}
